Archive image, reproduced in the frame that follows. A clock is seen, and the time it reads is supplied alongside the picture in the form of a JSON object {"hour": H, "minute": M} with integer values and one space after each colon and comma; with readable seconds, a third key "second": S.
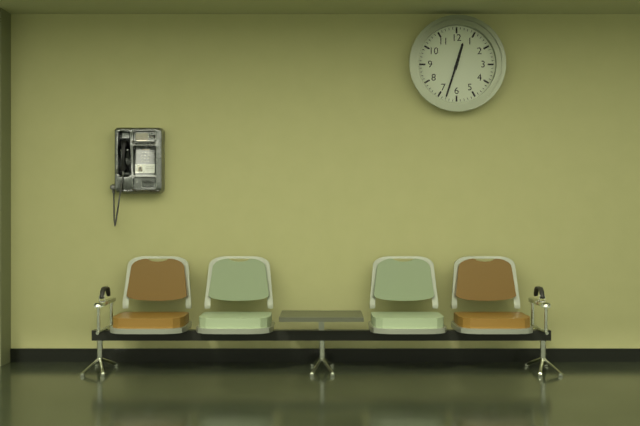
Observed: {"hour": 12, "minute": 33}
